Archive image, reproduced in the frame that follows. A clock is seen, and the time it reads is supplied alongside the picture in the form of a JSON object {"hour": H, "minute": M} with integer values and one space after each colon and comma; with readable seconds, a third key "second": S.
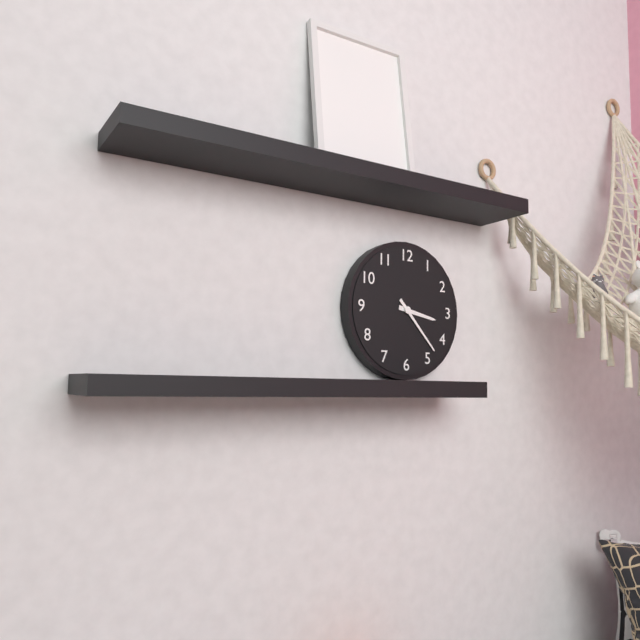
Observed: {"hour": 3, "minute": 23}
